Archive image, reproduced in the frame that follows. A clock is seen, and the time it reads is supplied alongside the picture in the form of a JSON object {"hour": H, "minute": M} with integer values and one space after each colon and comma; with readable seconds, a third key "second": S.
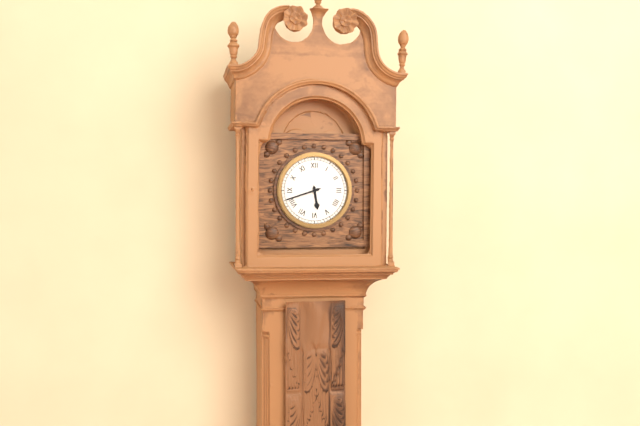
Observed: {"hour": 5, "minute": 42}
